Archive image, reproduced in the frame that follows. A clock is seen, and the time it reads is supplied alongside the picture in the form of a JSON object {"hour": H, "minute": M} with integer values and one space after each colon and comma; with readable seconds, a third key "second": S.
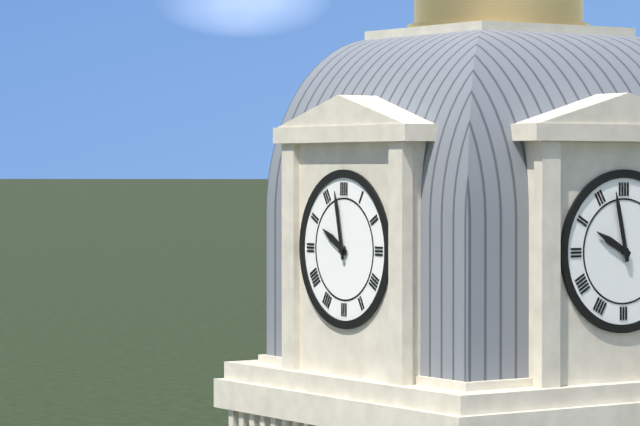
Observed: {"hour": 9, "minute": 58}
